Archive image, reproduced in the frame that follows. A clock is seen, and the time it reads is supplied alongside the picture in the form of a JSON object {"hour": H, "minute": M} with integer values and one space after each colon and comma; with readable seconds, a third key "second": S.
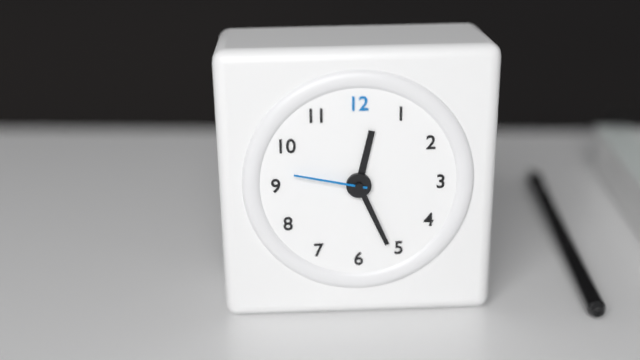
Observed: {"hour": 12, "minute": 26, "second": 47}
